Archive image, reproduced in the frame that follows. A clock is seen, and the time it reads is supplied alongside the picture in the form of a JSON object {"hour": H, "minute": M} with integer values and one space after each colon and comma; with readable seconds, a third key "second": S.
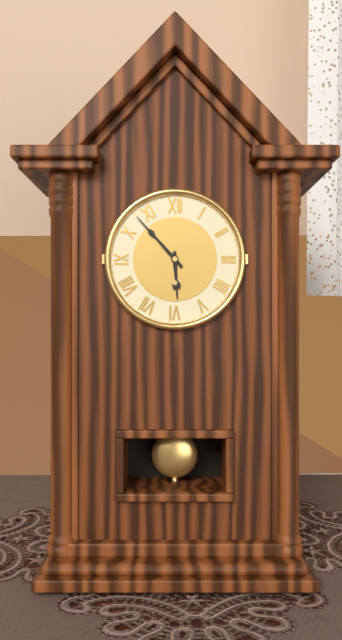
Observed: {"hour": 5, "minute": 53}
